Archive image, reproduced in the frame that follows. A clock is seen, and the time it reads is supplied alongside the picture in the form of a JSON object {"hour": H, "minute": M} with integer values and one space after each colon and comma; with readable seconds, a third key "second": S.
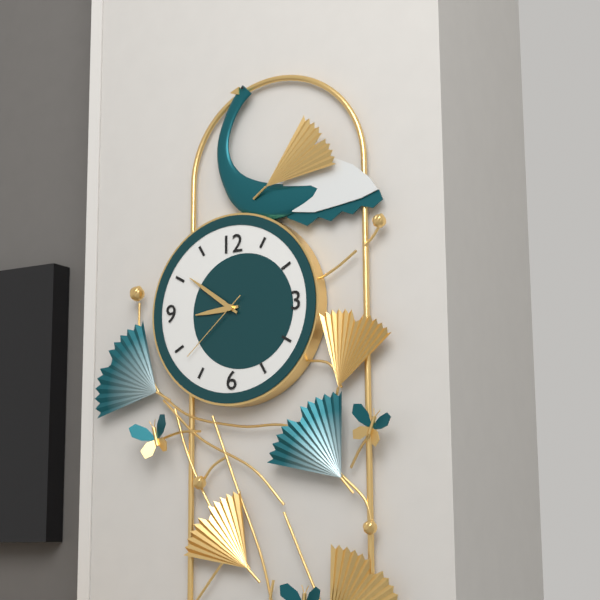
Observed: {"hour": 8, "minute": 51, "second": 38}
